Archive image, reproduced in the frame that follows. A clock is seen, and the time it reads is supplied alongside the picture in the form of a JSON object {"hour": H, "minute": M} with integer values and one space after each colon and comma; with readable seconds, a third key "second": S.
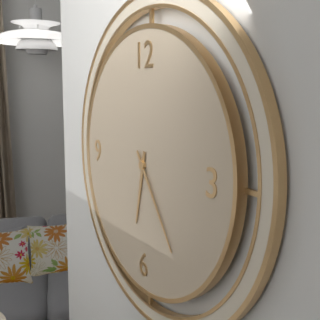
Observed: {"hour": 6, "minute": 24}
